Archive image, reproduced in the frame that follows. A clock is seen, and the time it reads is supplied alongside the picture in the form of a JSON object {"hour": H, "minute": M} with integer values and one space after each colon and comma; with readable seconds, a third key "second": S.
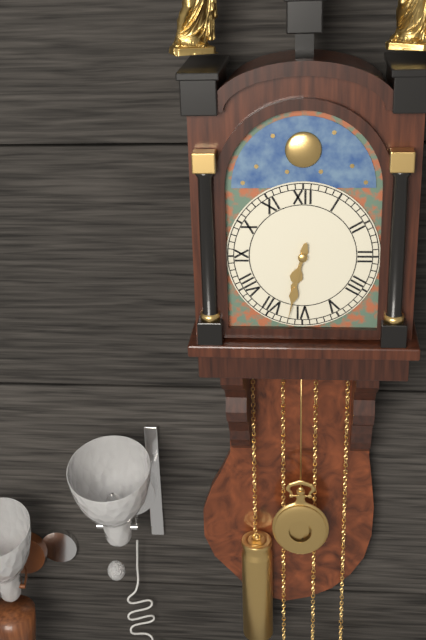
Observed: {"hour": 6, "minute": 32}
